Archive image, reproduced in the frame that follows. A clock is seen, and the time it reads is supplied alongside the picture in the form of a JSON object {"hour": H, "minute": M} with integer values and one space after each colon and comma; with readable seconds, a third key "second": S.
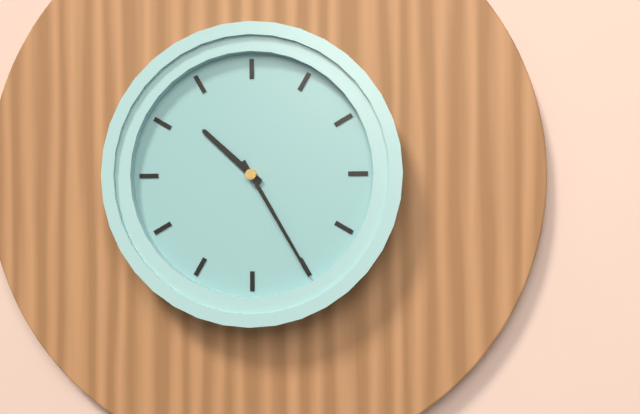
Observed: {"hour": 10, "minute": 25}
